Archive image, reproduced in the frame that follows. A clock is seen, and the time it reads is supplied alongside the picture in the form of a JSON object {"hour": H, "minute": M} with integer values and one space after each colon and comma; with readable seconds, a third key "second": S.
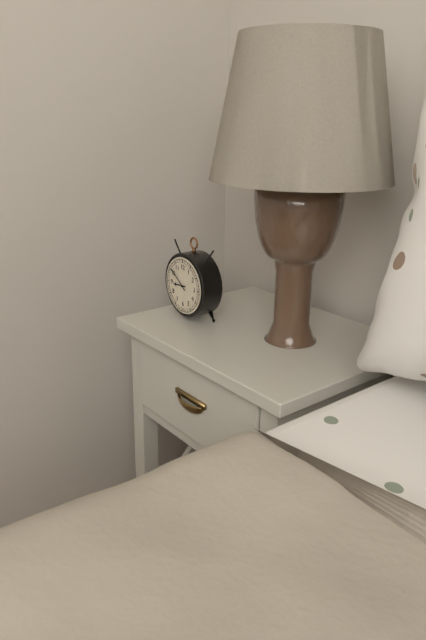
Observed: {"hour": 8, "minute": 51}
